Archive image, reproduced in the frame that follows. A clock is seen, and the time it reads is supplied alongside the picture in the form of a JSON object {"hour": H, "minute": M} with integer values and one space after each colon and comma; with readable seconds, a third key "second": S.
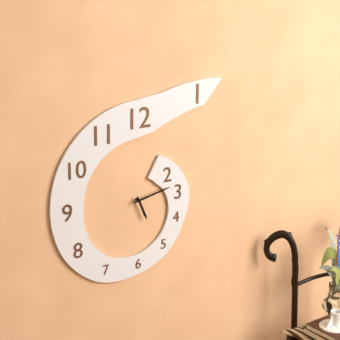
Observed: {"hour": 5, "minute": 13}
